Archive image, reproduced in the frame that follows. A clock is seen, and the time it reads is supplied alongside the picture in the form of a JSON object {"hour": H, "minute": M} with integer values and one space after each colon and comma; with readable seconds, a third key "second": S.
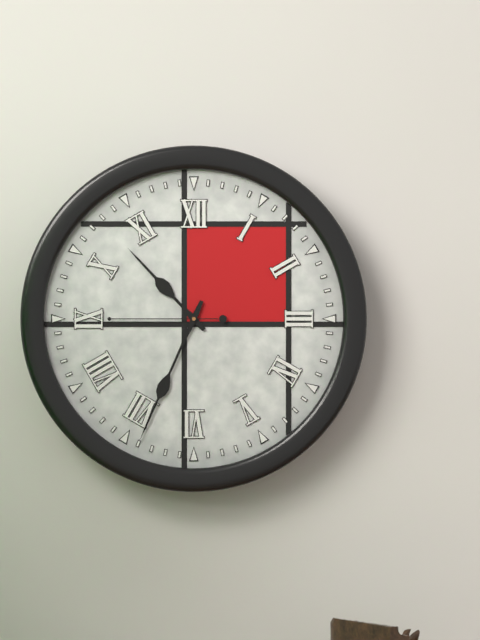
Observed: {"hour": 10, "minute": 34, "second": 45}
